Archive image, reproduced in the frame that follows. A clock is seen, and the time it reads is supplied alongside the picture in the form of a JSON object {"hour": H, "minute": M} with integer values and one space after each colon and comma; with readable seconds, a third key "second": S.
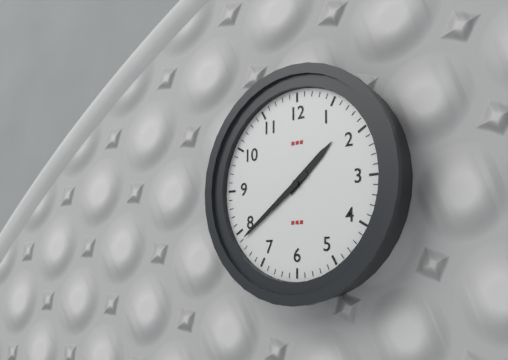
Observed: {"hour": 1, "minute": 39}
